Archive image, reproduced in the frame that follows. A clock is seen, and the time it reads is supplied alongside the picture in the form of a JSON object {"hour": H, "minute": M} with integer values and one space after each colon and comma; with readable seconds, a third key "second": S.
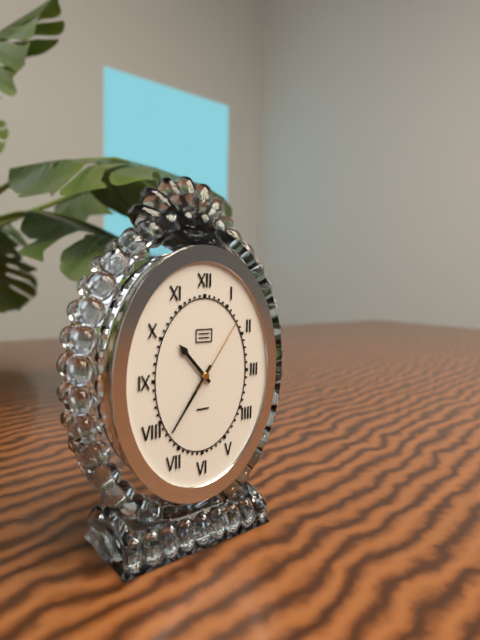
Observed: {"hour": 10, "minute": 36, "second": 6}
